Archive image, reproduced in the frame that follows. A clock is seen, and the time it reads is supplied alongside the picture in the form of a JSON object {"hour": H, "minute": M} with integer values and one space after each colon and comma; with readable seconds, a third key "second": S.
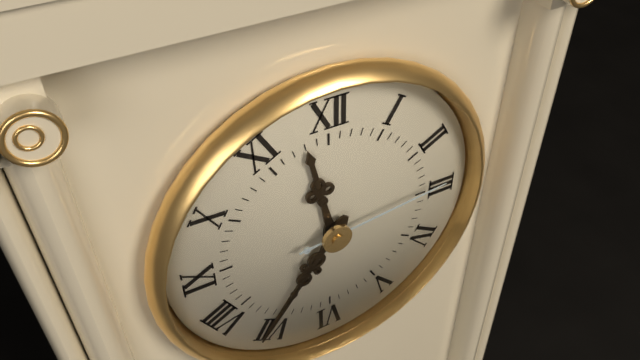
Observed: {"hour": 11, "minute": 36, "second": 14}
